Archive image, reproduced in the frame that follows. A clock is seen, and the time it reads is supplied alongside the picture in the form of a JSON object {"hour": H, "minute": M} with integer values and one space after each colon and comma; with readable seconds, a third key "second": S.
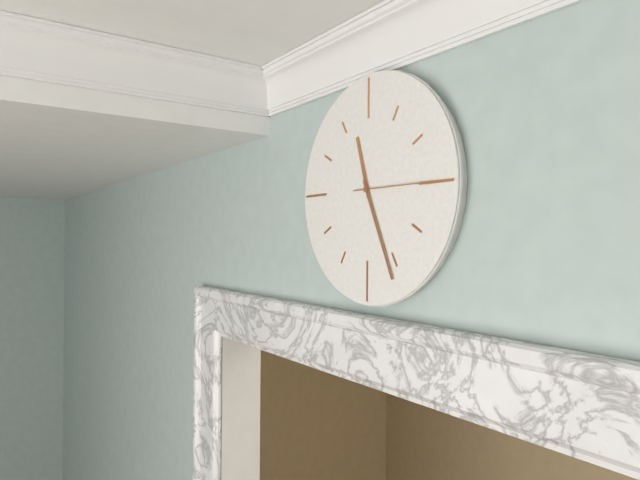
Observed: {"hour": 11, "minute": 26, "second": 15}
